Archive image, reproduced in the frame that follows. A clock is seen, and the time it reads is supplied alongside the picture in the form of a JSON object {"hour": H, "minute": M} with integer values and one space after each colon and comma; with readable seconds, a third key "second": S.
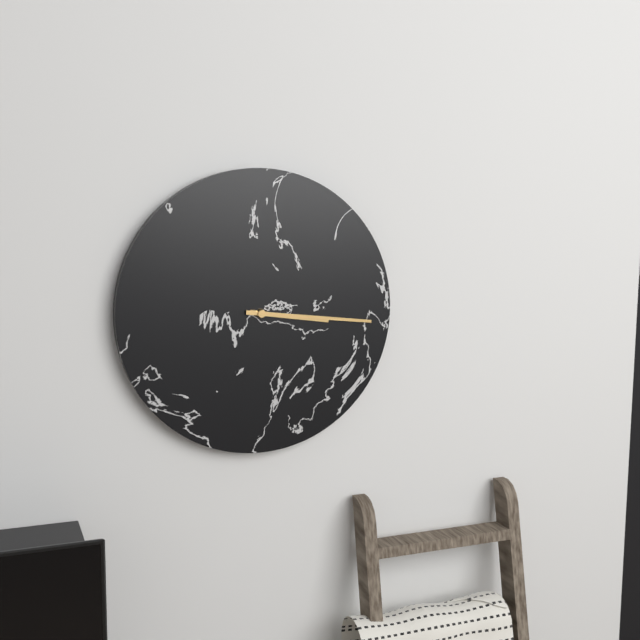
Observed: {"hour": 3, "minute": 16}
